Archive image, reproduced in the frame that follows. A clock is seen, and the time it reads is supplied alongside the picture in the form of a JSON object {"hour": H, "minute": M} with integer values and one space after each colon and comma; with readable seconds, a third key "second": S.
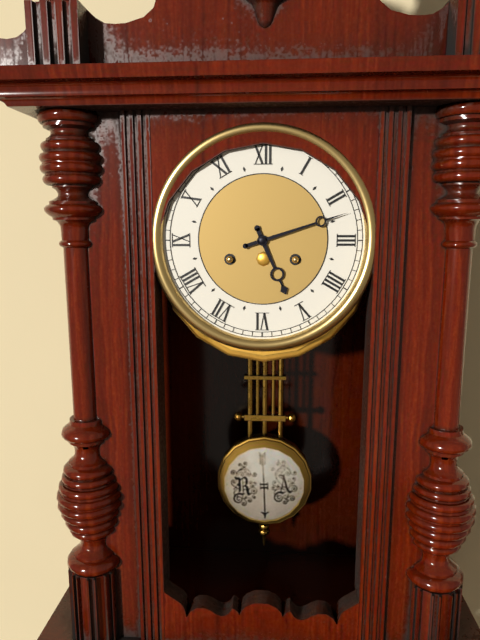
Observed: {"hour": 5, "minute": 12}
